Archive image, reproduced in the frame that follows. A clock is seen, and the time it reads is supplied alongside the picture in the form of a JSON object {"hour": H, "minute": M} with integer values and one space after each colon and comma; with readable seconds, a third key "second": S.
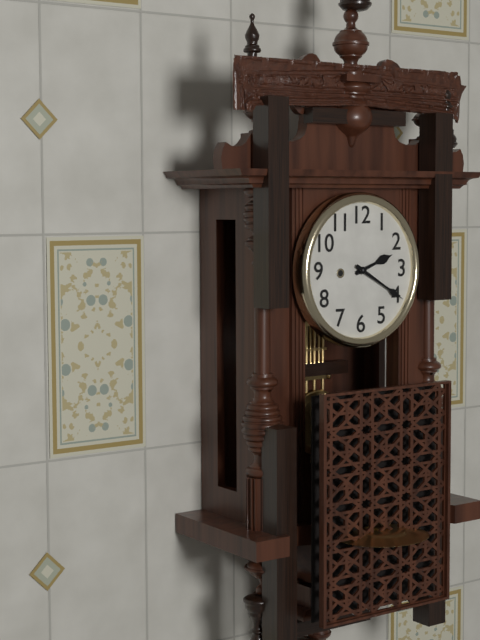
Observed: {"hour": 2, "minute": 20}
